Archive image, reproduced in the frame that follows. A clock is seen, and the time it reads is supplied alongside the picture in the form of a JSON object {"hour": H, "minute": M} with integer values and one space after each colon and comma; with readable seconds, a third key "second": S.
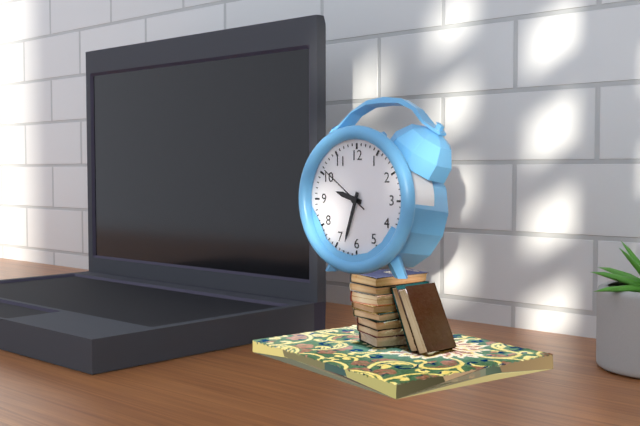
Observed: {"hour": 9, "minute": 33, "second": 51}
